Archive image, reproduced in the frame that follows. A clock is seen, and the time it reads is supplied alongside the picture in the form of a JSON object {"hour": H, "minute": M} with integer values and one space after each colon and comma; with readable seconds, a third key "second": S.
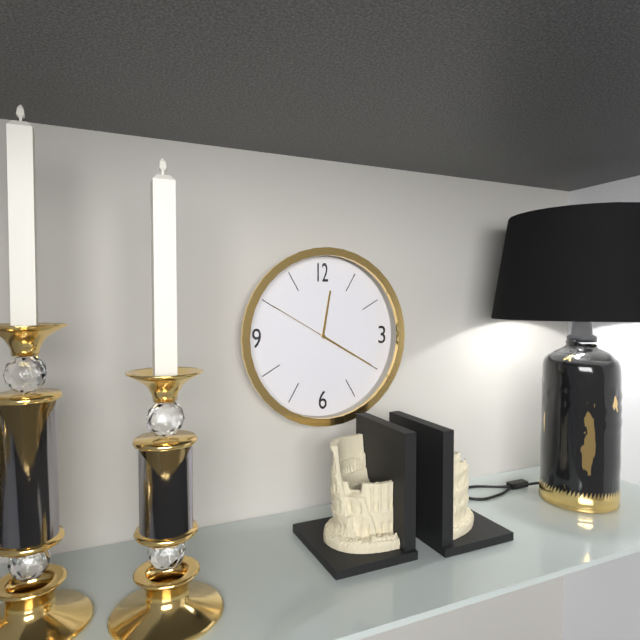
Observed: {"hour": 12, "minute": 20, "second": 50}
